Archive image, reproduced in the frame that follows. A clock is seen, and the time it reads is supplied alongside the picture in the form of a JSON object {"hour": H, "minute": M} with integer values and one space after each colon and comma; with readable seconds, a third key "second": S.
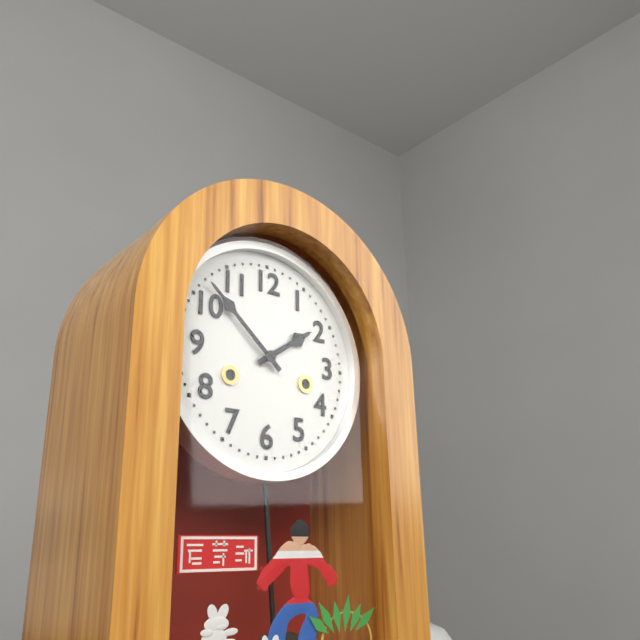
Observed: {"hour": 1, "minute": 52}
